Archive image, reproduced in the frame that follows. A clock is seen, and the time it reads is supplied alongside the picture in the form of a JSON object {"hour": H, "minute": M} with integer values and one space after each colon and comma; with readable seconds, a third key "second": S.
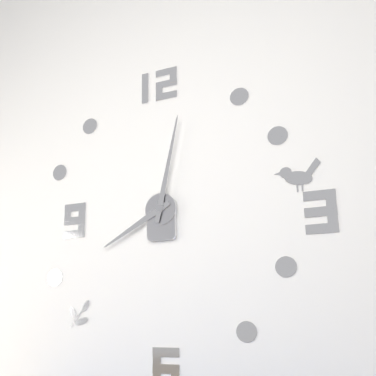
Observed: {"hour": 8, "minute": 2}
